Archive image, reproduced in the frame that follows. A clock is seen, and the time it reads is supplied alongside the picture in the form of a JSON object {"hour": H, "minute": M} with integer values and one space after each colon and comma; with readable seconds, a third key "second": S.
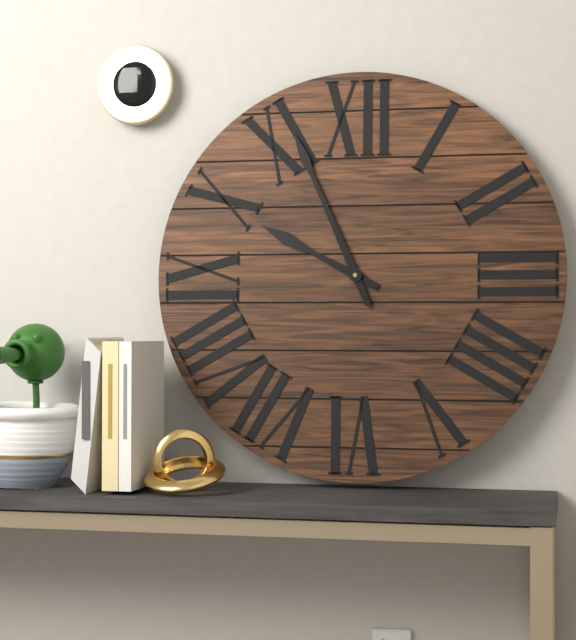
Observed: {"hour": 9, "minute": 56}
